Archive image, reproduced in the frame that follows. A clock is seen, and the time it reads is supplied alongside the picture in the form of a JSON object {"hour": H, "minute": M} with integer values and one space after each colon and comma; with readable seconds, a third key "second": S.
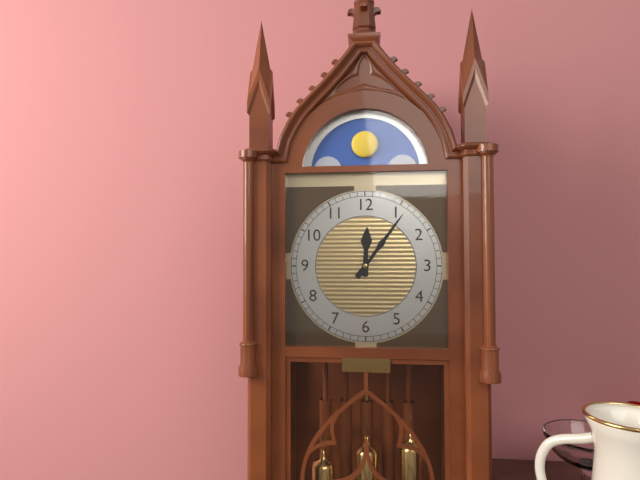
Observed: {"hour": 12, "minute": 6}
